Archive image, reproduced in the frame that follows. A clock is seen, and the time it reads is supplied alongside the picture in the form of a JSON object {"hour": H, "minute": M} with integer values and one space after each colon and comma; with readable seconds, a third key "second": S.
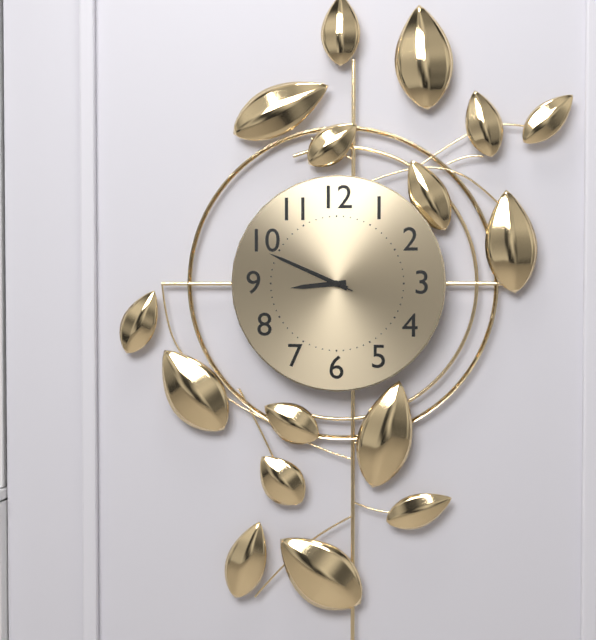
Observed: {"hour": 8, "minute": 49, "second": 49}
